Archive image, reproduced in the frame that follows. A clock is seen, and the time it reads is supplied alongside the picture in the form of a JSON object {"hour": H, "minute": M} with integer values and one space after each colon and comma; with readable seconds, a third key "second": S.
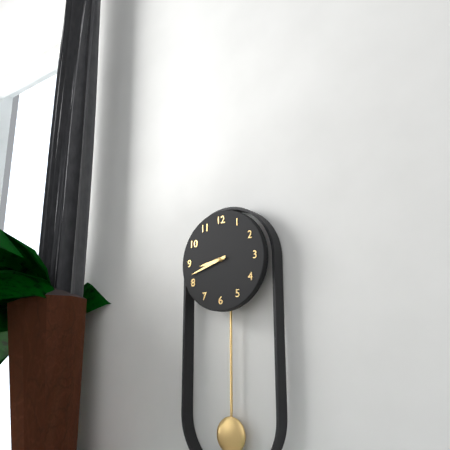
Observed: {"hour": 8, "minute": 42}
